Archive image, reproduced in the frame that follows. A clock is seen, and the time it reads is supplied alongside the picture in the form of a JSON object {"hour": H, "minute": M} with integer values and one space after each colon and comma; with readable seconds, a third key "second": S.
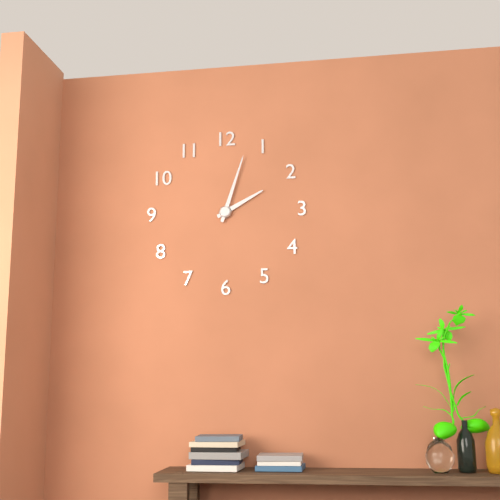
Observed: {"hour": 2, "minute": 3}
